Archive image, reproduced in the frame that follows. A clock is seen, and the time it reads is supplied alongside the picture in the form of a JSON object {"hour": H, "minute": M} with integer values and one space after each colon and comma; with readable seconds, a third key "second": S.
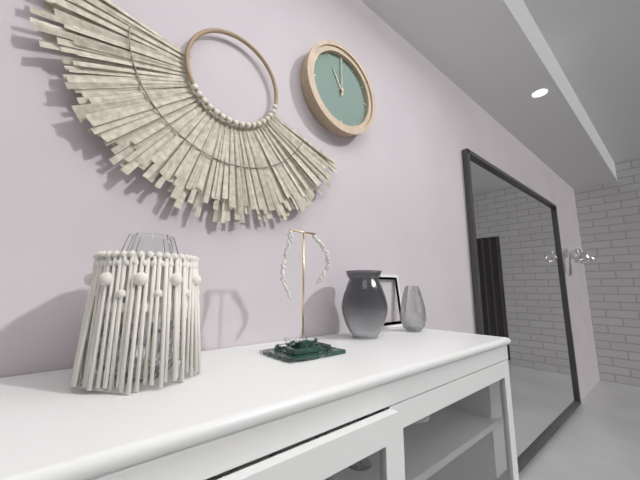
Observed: {"hour": 11, "minute": 0}
